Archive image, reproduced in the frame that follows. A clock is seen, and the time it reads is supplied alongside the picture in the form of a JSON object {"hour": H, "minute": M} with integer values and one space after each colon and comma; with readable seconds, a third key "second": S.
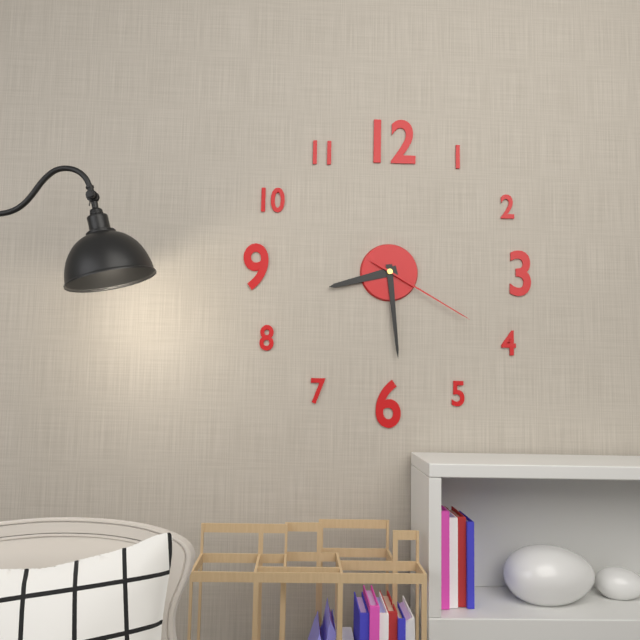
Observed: {"hour": 8, "minute": 29, "second": 20}
